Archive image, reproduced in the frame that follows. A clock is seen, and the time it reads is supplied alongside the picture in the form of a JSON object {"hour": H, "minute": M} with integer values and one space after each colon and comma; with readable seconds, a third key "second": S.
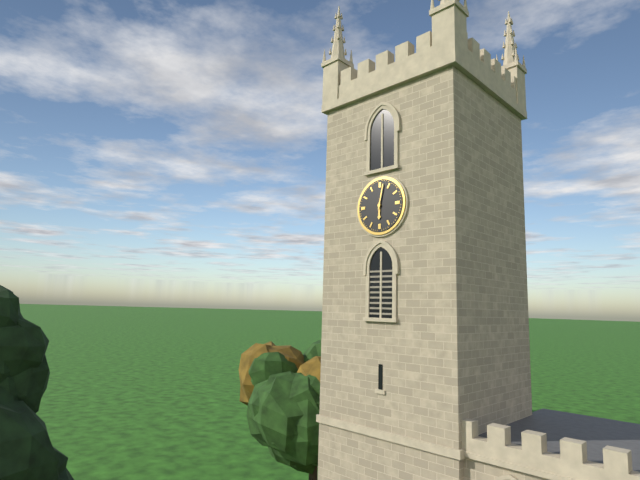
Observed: {"hour": 6, "minute": 2}
